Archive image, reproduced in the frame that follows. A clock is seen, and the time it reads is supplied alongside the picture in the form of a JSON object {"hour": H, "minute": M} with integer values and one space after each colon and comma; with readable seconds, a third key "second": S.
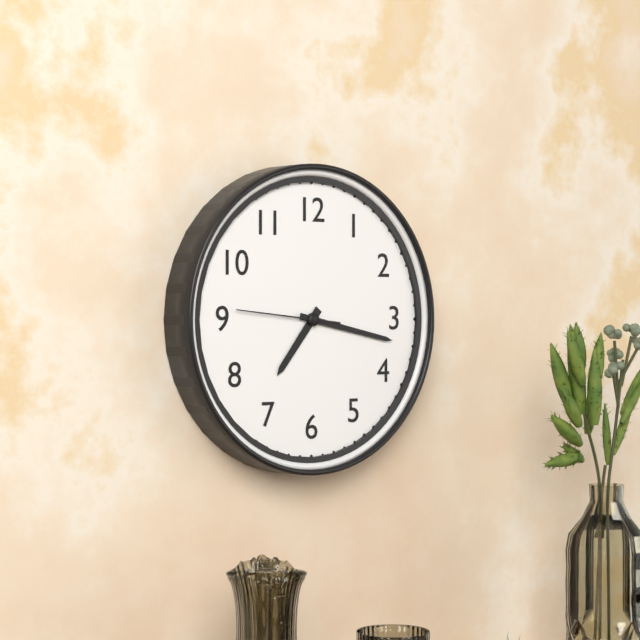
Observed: {"hour": 7, "minute": 17, "second": 46}
